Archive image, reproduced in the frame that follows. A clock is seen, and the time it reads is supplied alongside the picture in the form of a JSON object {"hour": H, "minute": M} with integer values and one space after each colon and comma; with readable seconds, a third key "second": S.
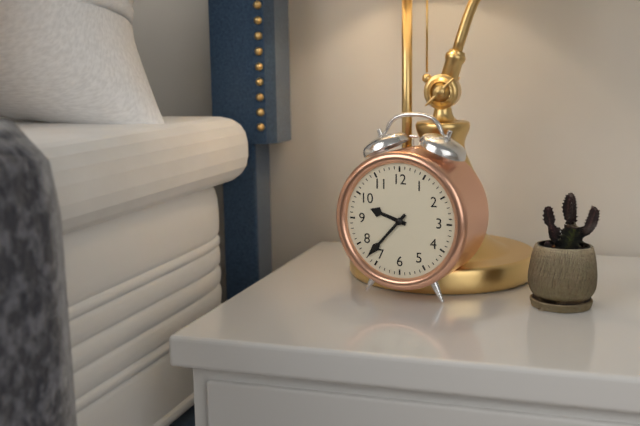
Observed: {"hour": 9, "minute": 37}
